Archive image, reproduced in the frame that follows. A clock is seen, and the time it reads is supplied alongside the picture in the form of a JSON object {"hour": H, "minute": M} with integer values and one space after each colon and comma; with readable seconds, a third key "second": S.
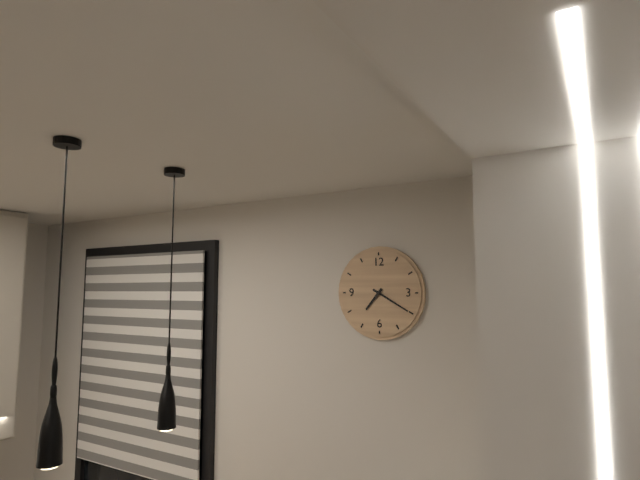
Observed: {"hour": 7, "minute": 20}
